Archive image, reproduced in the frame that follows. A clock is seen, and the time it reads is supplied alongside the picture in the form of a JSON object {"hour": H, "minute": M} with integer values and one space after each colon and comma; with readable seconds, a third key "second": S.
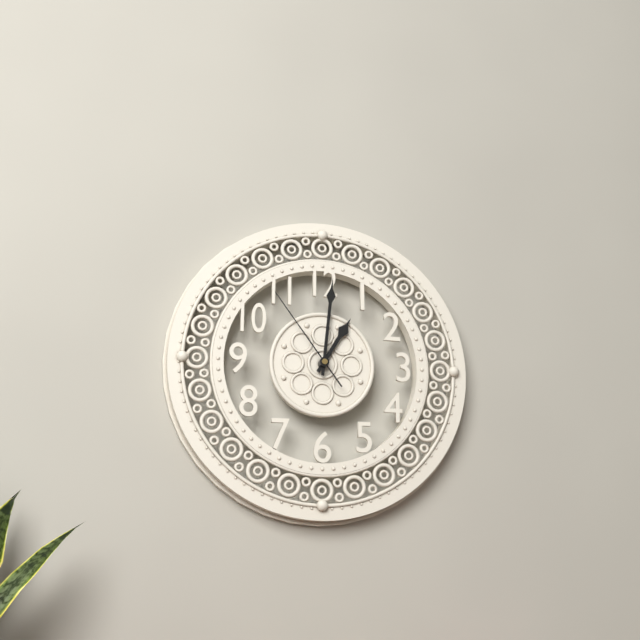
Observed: {"hour": 1, "minute": 1, "second": 54}
